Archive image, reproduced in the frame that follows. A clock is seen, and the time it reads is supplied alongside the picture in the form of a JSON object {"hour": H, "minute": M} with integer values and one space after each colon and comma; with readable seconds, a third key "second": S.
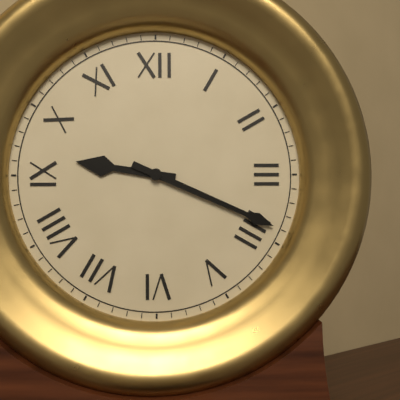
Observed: {"hour": 9, "minute": 19}
